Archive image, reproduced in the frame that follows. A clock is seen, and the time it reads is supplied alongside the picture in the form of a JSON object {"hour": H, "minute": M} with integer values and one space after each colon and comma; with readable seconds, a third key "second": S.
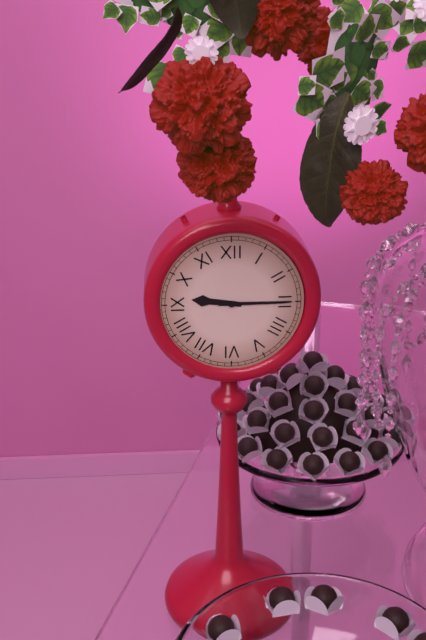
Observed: {"hour": 9, "minute": 15}
